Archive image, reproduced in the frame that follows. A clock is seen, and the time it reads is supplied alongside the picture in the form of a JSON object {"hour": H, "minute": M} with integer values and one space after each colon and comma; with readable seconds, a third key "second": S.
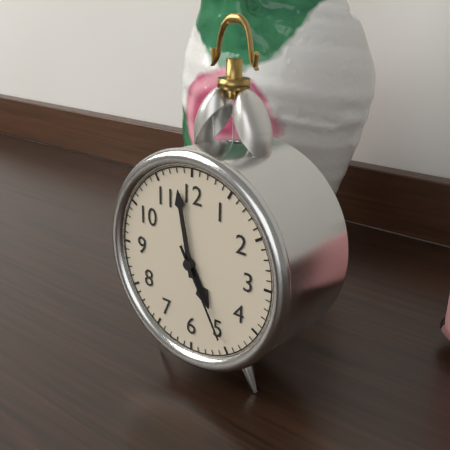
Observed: {"hour": 4, "minute": 58, "second": 25}
